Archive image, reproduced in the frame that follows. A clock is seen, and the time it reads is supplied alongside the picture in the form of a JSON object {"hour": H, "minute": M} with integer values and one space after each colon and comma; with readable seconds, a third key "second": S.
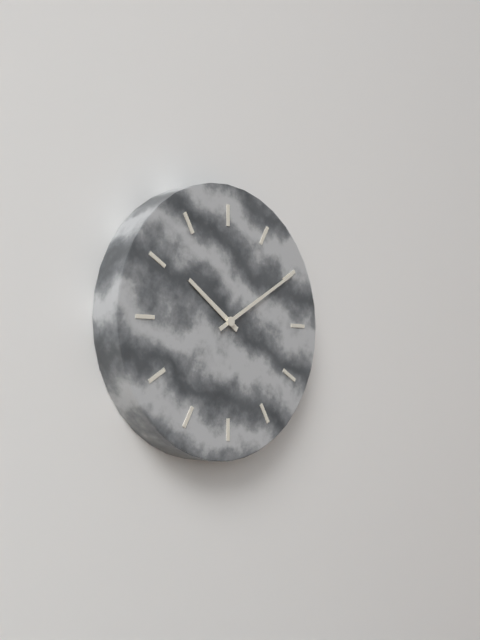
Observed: {"hour": 10, "minute": 10}
